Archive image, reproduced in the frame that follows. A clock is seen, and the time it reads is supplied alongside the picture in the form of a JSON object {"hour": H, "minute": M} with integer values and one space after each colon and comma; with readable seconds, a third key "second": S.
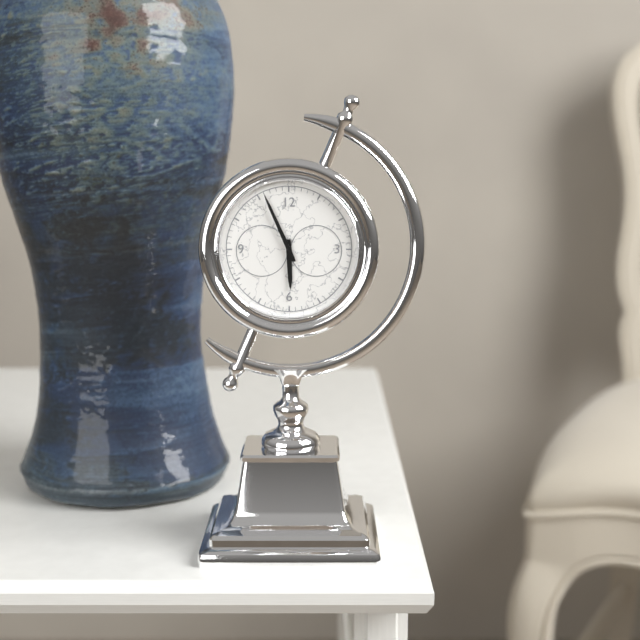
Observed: {"hour": 5, "minute": 56}
